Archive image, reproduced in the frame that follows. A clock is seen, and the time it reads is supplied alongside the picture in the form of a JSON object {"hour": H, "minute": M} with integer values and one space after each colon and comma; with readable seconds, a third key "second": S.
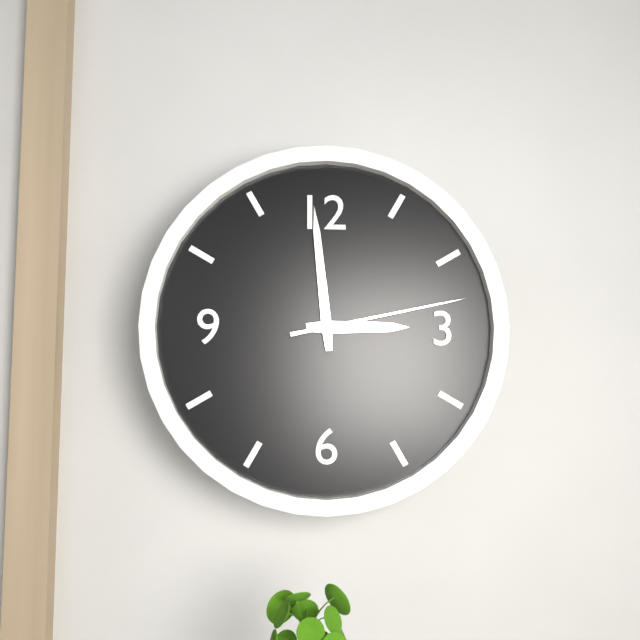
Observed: {"hour": 2, "minute": 59, "second": 13}
